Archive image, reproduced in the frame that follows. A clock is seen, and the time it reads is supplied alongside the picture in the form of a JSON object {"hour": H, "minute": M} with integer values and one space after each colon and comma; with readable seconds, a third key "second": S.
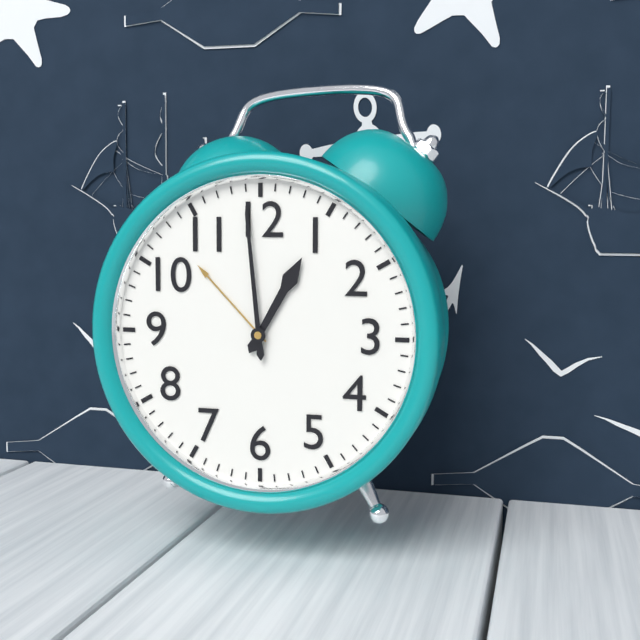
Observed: {"hour": 12, "minute": 59}
